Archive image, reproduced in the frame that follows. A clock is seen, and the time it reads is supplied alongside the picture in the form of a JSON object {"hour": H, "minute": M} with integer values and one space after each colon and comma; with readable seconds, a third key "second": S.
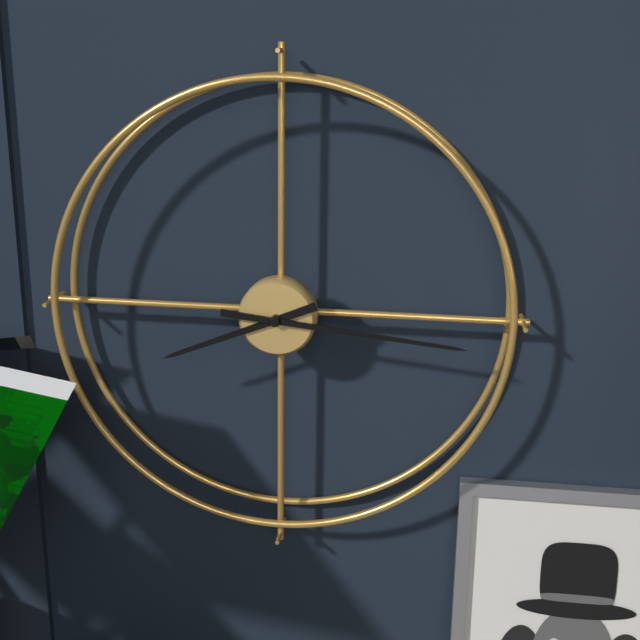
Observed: {"hour": 8, "minute": 16}
